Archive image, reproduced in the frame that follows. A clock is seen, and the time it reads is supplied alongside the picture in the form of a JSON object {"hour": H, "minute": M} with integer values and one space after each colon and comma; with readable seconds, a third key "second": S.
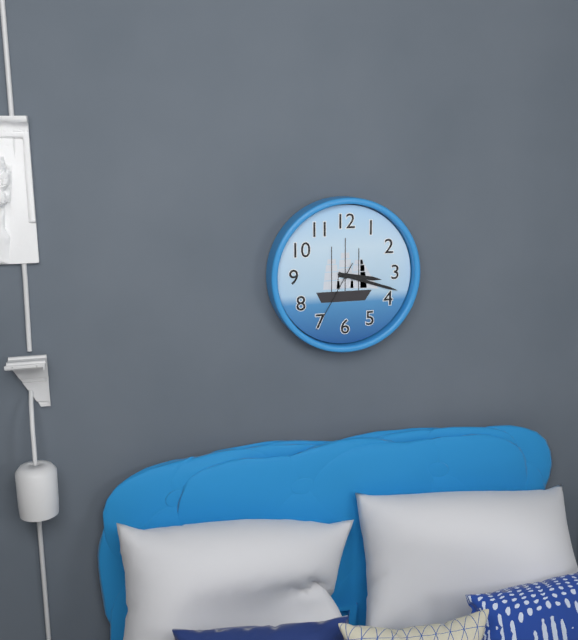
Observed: {"hour": 3, "minute": 18, "second": 35}
